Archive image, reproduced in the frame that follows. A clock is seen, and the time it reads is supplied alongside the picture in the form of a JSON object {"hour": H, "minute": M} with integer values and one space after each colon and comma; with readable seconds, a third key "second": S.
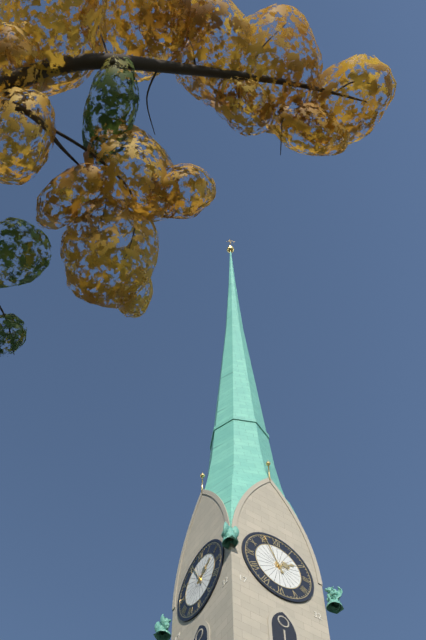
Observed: {"hour": 1, "minute": 56}
